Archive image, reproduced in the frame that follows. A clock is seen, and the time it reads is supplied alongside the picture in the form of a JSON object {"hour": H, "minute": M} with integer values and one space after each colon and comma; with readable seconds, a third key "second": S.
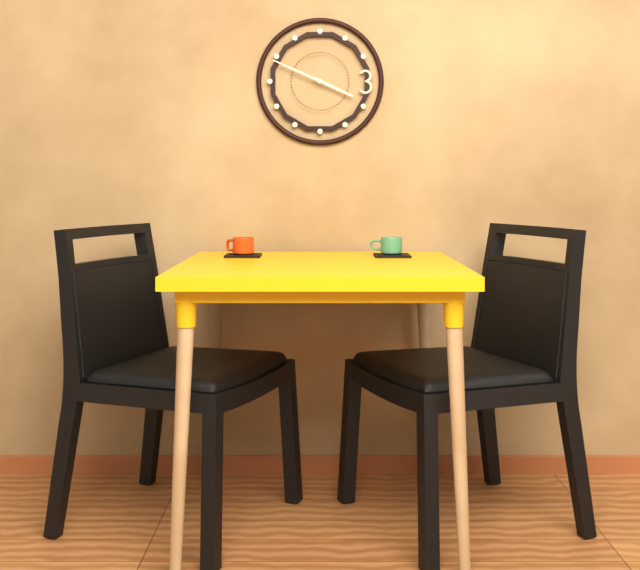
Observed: {"hour": 3, "minute": 49}
